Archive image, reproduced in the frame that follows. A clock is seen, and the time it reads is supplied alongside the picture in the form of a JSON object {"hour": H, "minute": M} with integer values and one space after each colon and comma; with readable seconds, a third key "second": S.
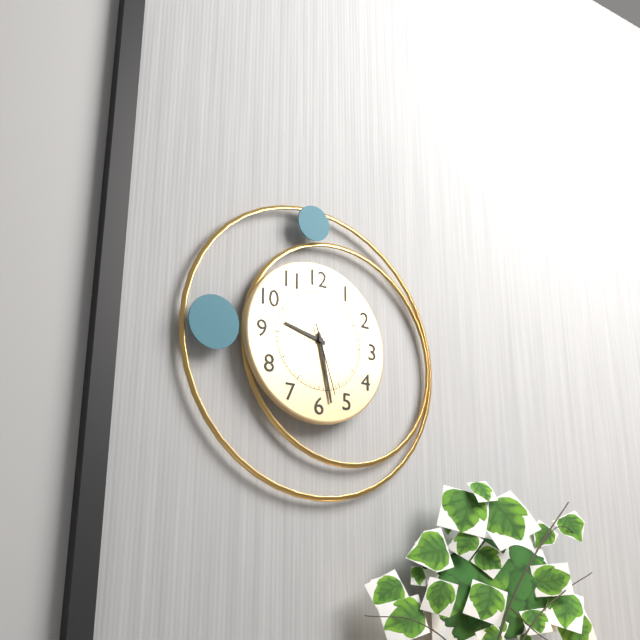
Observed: {"hour": 9, "minute": 28, "second": 27}
